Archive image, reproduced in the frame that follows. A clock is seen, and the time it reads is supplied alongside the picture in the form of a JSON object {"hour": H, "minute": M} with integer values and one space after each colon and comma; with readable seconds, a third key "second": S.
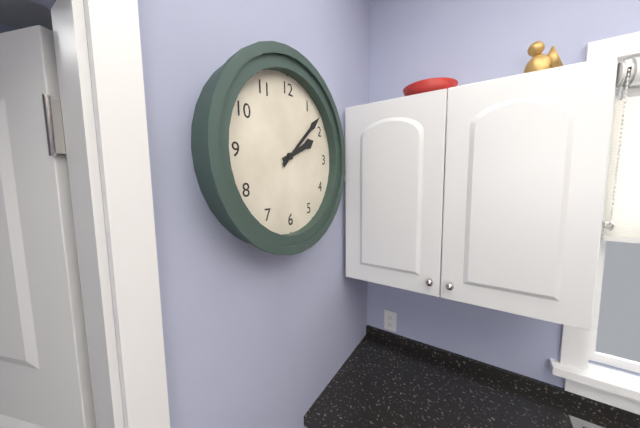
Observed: {"hour": 2, "minute": 8}
